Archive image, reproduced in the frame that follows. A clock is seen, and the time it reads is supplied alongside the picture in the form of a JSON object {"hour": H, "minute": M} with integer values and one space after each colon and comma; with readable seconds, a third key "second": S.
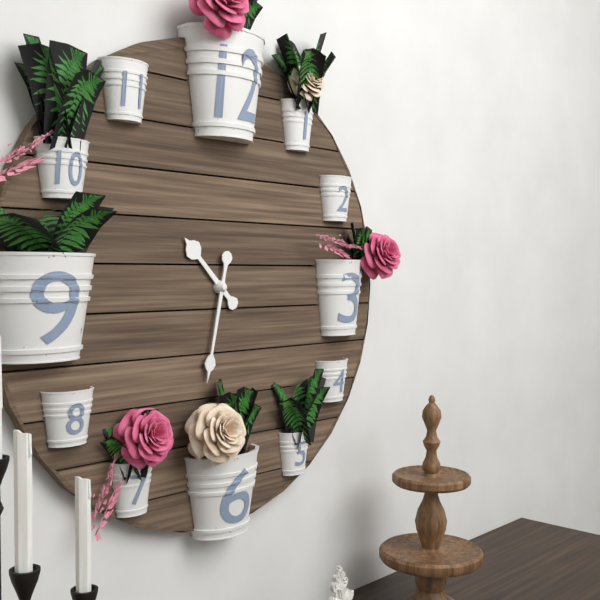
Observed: {"hour": 10, "minute": 32}
